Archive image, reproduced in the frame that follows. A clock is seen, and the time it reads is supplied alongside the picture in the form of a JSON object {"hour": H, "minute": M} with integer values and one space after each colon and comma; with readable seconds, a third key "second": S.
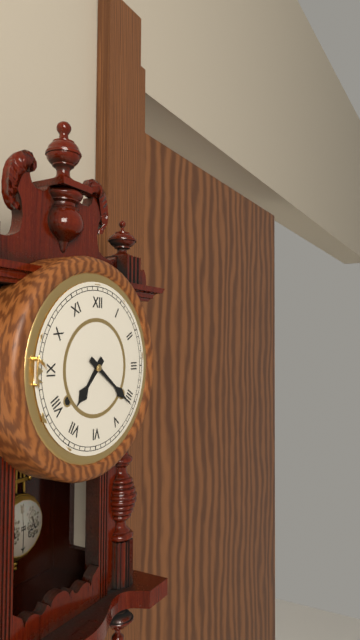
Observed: {"hour": 7, "minute": 21}
